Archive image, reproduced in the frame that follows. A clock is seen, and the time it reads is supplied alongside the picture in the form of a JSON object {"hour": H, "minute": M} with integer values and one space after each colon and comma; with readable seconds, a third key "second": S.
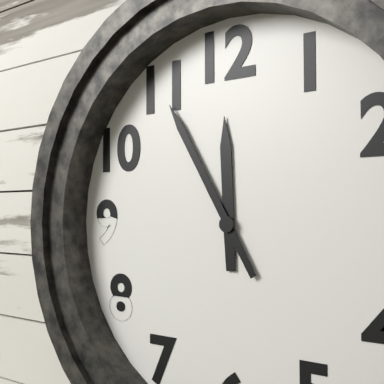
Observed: {"hour": 11, "minute": 55}
